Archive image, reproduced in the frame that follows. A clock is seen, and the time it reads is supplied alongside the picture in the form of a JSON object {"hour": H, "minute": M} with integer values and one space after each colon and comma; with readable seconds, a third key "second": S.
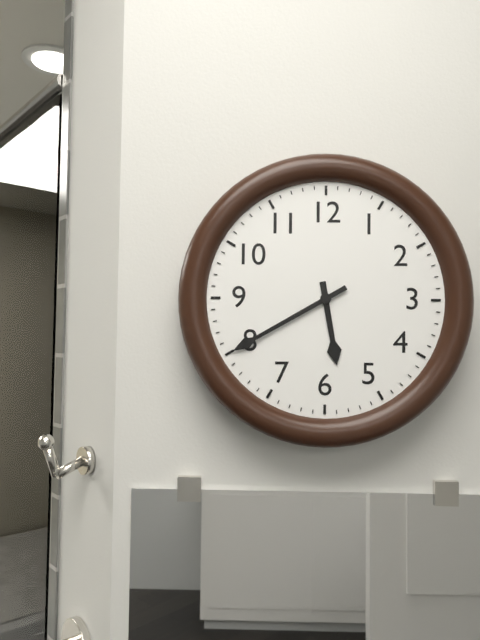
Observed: {"hour": 5, "minute": 40}
